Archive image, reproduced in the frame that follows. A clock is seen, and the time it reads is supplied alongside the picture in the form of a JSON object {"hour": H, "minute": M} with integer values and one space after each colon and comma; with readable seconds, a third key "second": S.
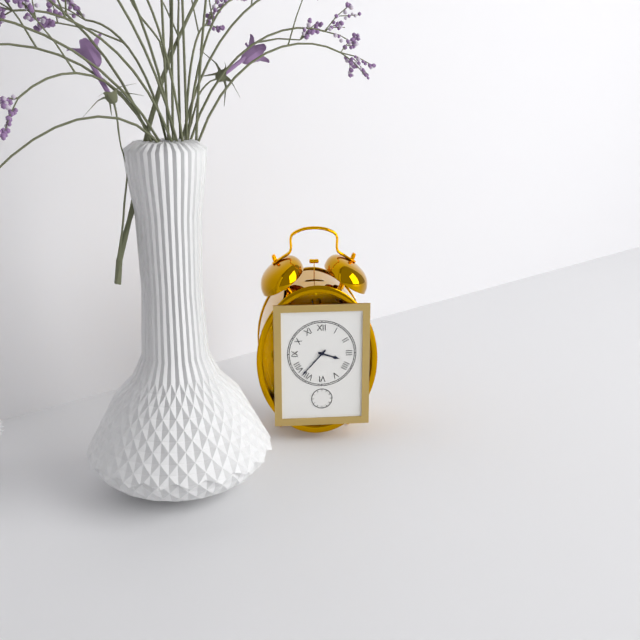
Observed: {"hour": 3, "minute": 37}
